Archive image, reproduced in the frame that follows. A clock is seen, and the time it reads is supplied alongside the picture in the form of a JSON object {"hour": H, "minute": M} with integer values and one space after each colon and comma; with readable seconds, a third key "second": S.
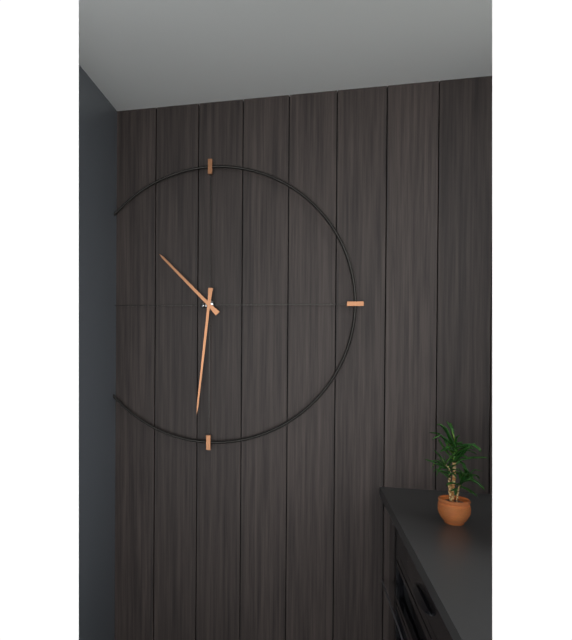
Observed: {"hour": 10, "minute": 31}
